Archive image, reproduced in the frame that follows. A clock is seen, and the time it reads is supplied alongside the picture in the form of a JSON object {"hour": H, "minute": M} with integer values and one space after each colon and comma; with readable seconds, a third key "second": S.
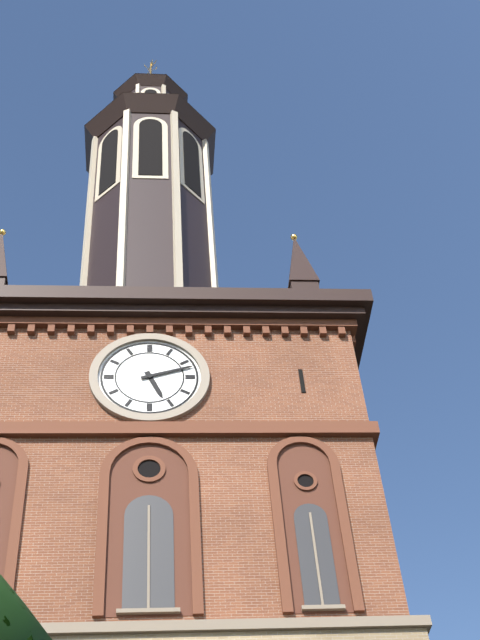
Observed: {"hour": 5, "minute": 12}
